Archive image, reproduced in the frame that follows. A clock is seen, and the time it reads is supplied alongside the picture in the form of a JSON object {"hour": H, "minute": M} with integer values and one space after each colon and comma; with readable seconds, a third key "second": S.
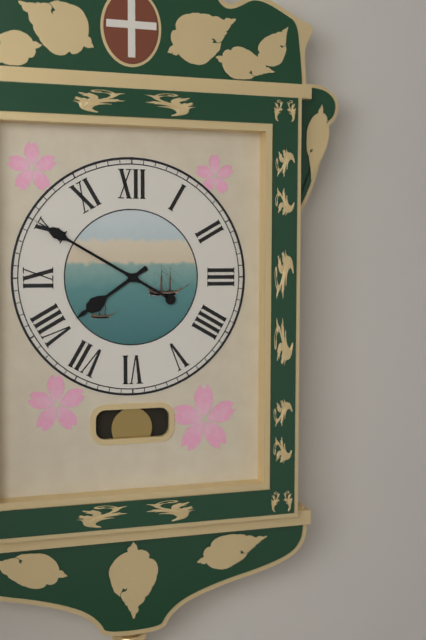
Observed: {"hour": 7, "minute": 50}
